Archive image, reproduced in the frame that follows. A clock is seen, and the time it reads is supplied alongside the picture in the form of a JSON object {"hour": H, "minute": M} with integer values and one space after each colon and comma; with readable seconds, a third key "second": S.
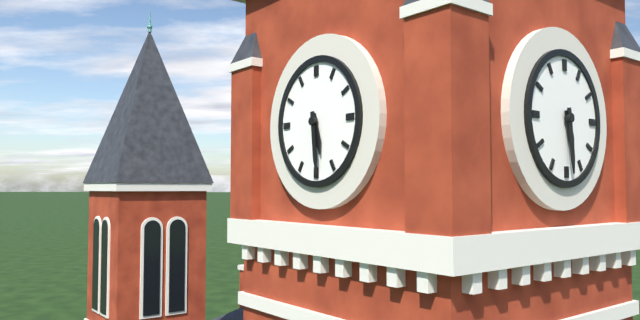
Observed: {"hour": 5, "minute": 29}
